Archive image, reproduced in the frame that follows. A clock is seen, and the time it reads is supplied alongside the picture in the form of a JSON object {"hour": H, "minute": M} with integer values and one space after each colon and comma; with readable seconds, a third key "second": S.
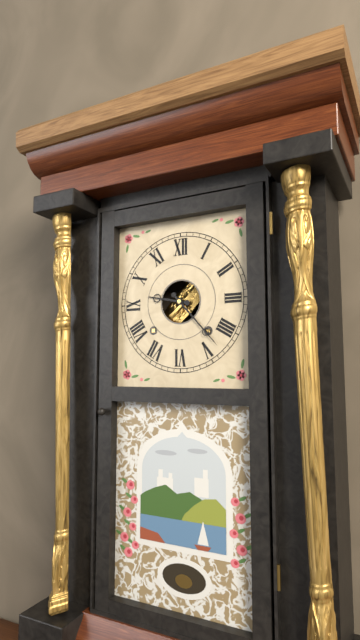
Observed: {"hour": 9, "minute": 23}
